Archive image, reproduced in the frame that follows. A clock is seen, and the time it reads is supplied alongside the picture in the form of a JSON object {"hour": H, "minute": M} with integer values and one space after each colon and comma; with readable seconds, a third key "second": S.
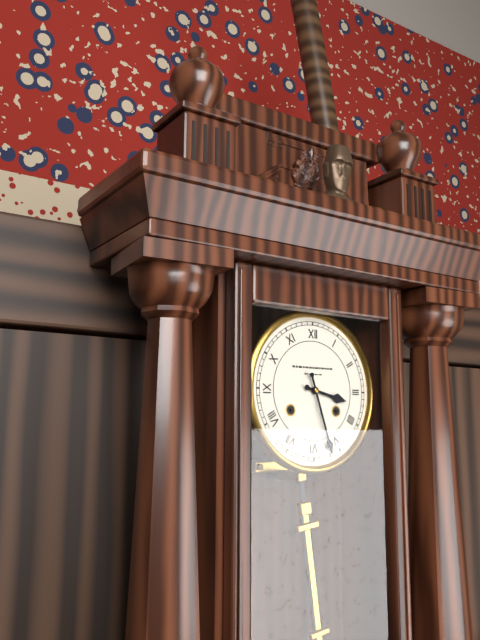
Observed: {"hour": 3, "minute": 27}
